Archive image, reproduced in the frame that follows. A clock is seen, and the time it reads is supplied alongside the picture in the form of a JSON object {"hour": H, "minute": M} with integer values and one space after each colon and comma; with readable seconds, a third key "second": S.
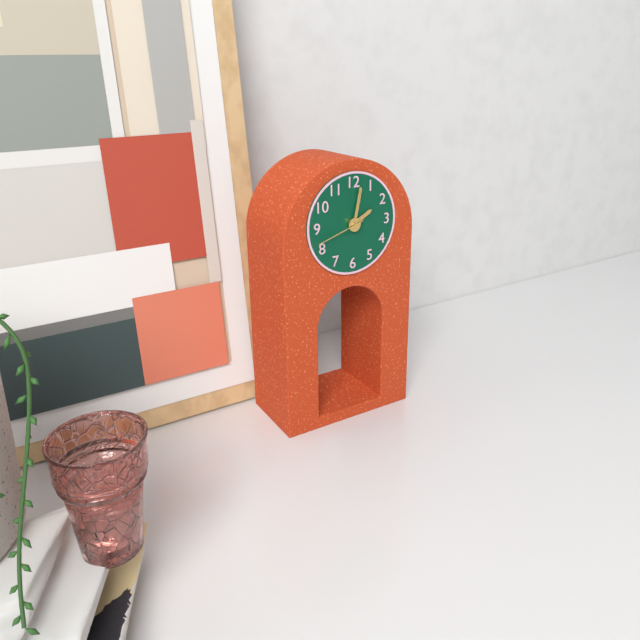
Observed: {"hour": 2, "minute": 2, "second": 42}
